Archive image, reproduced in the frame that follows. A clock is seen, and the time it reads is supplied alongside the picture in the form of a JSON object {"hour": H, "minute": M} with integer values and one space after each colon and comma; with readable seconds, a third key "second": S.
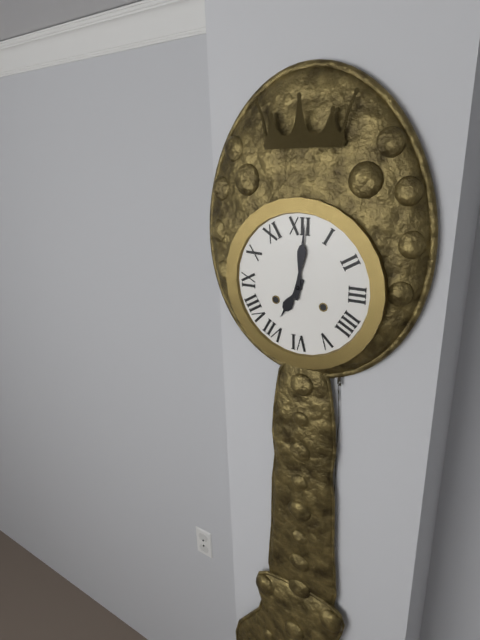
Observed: {"hour": 7, "minute": 1}
